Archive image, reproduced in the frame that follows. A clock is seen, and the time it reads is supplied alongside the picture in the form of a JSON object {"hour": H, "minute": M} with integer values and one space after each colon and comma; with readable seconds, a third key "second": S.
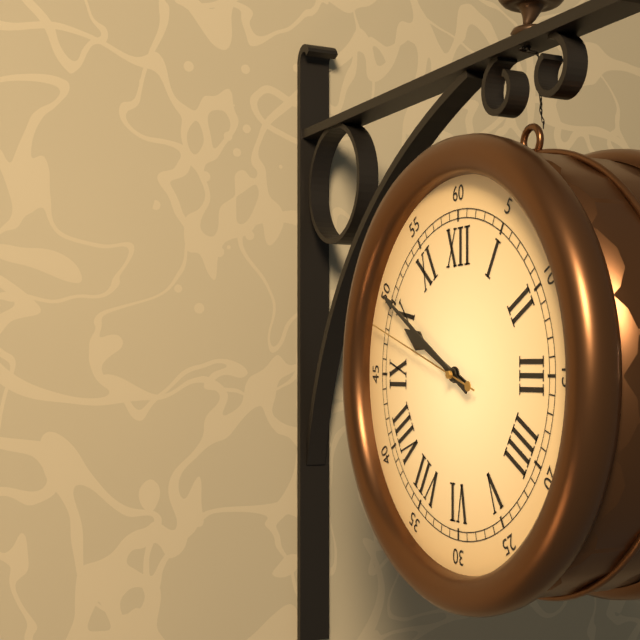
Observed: {"hour": 9, "minute": 50, "second": 48}
